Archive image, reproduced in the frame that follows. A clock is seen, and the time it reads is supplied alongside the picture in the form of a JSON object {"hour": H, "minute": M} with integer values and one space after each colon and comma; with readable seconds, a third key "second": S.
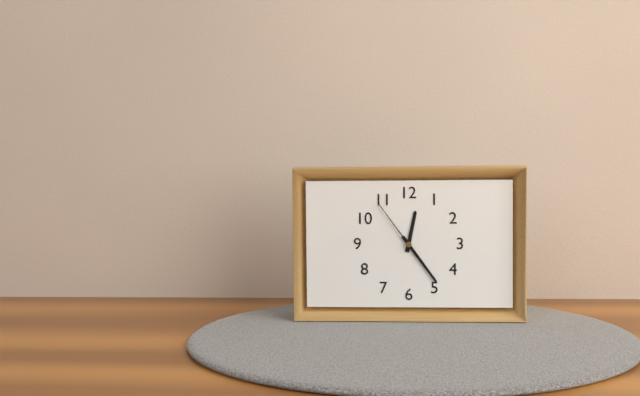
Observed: {"hour": 12, "minute": 24, "second": 54}
